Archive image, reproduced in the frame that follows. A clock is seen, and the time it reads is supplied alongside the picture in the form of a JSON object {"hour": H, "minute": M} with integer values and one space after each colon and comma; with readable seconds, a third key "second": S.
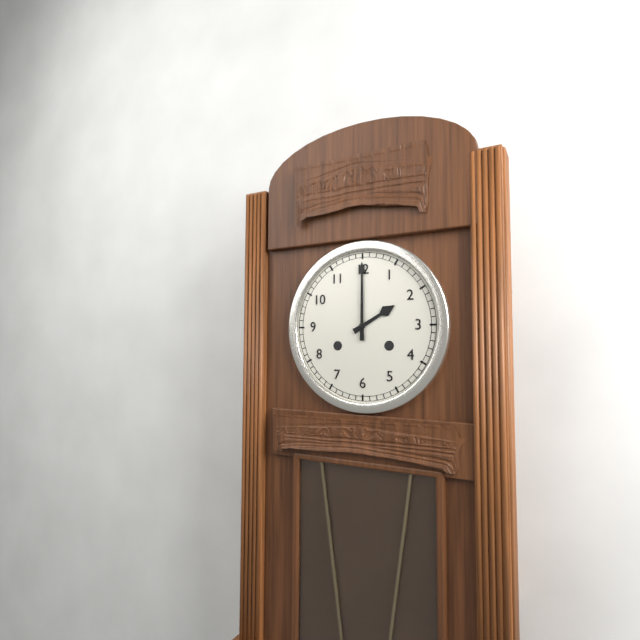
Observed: {"hour": 2, "minute": 0}
